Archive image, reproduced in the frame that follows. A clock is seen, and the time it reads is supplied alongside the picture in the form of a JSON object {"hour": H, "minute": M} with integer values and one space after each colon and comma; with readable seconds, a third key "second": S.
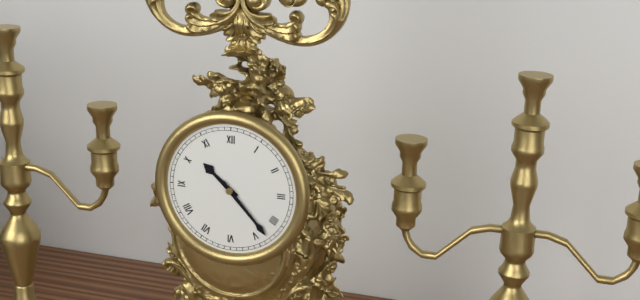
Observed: {"hour": 10, "minute": 23}
